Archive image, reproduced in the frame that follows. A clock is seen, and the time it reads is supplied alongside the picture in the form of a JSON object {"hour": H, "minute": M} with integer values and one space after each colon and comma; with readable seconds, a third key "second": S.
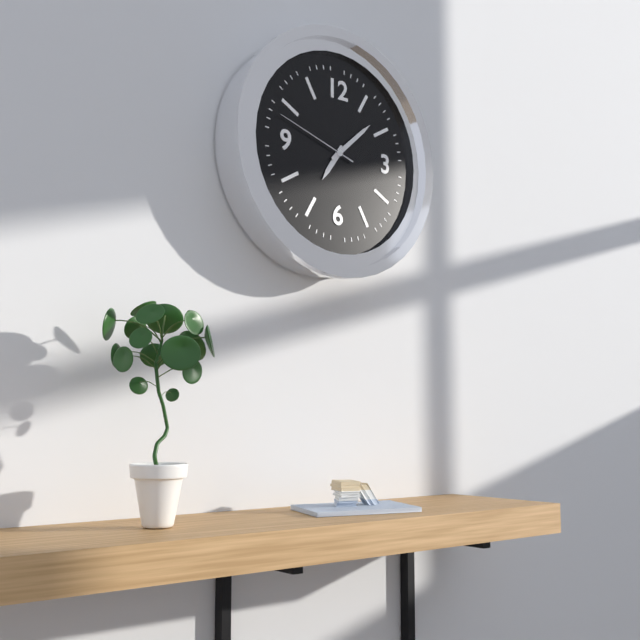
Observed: {"hour": 7, "minute": 8, "second": 48}
